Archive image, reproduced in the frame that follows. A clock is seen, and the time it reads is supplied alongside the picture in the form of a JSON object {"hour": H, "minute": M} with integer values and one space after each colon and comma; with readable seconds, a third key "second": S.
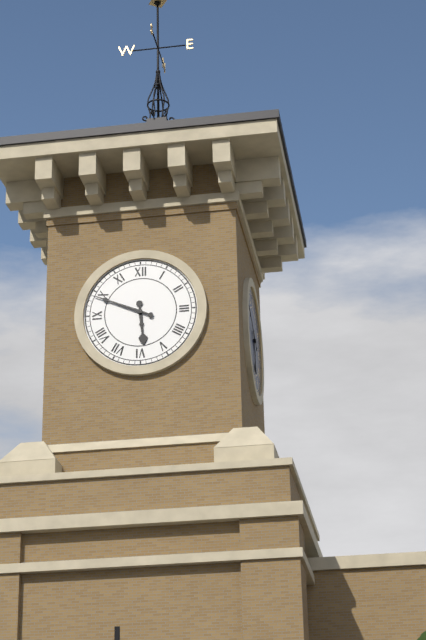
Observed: {"hour": 5, "minute": 49}
